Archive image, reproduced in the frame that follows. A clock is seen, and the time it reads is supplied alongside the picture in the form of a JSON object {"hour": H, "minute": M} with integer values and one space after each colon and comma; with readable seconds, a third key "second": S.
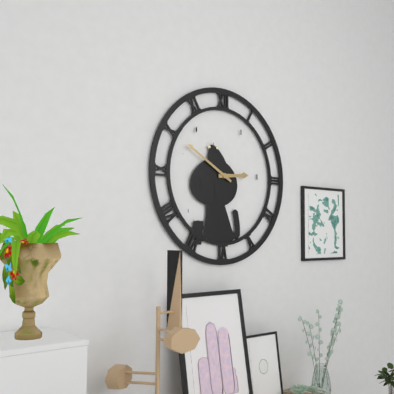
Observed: {"hour": 2, "minute": 50}
